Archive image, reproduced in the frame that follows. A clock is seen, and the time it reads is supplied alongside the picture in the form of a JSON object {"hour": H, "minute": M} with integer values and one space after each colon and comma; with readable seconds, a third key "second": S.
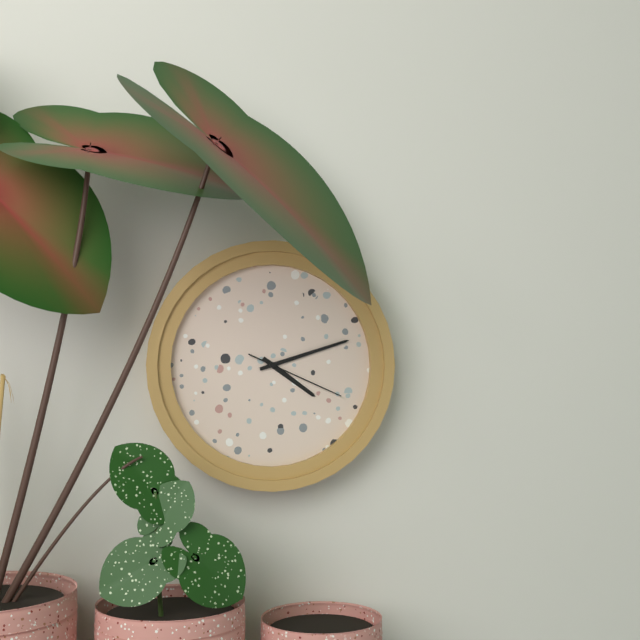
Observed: {"hour": 4, "minute": 12, "second": 19}
